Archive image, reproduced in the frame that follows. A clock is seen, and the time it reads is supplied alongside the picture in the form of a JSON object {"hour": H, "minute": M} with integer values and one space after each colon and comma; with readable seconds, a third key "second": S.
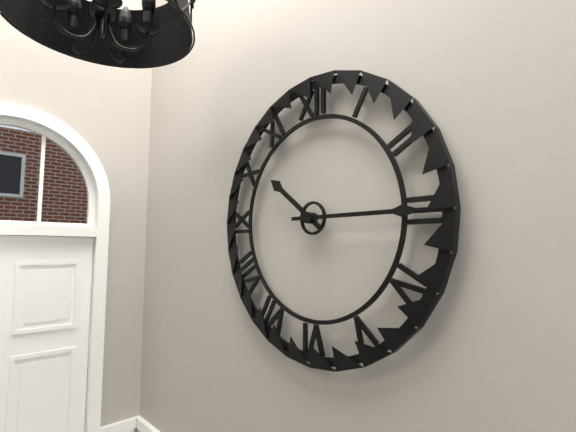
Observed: {"hour": 10, "minute": 15}
